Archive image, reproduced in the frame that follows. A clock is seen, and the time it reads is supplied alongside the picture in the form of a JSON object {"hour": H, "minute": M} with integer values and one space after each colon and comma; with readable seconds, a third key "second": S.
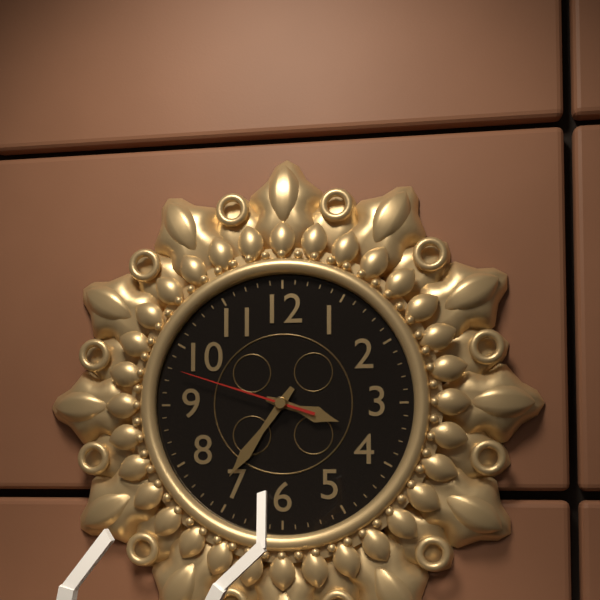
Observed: {"hour": 3, "minute": 36, "second": 48}
